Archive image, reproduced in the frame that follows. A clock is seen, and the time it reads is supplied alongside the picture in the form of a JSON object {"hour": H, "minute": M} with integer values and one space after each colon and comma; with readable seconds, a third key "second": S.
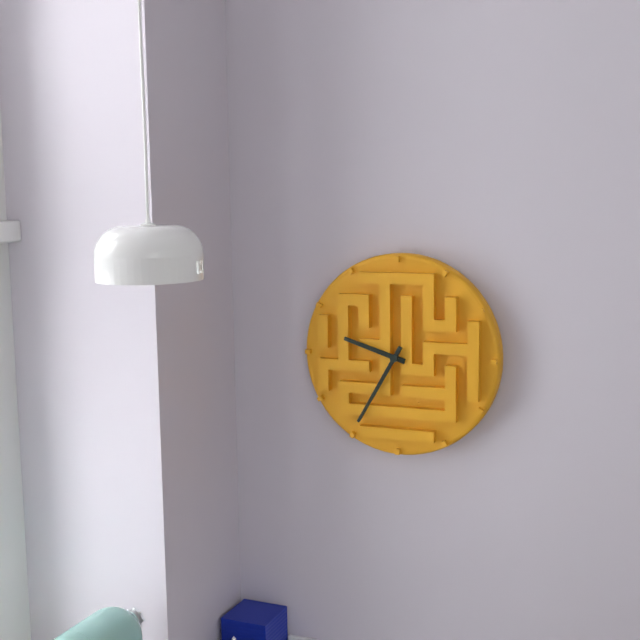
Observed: {"hour": 9, "minute": 35}
